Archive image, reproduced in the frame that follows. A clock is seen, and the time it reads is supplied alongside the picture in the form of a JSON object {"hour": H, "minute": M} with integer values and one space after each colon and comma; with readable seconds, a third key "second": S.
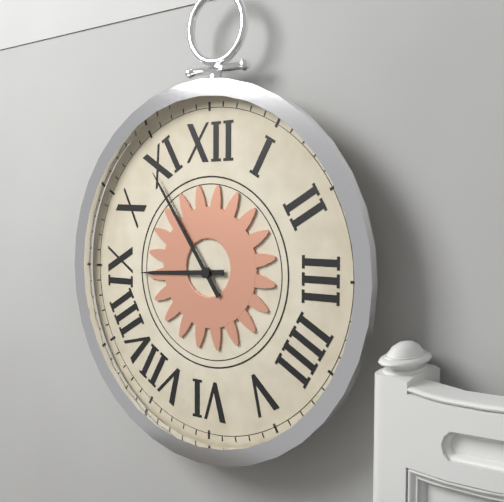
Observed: {"hour": 8, "minute": 54}
